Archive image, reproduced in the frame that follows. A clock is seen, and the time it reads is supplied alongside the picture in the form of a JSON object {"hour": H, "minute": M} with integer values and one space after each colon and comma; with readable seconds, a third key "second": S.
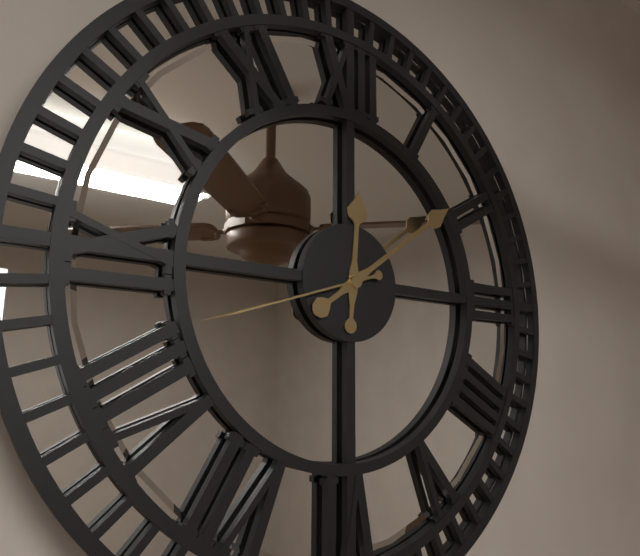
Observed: {"hour": 12, "minute": 9, "second": 42}
